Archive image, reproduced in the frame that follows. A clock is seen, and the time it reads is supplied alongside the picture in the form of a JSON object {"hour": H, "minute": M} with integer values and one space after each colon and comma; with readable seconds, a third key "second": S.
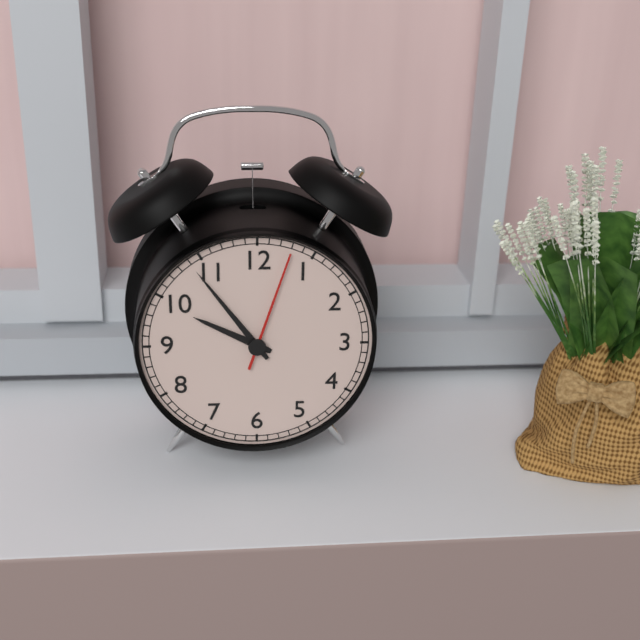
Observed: {"hour": 9, "minute": 54, "second": 3}
